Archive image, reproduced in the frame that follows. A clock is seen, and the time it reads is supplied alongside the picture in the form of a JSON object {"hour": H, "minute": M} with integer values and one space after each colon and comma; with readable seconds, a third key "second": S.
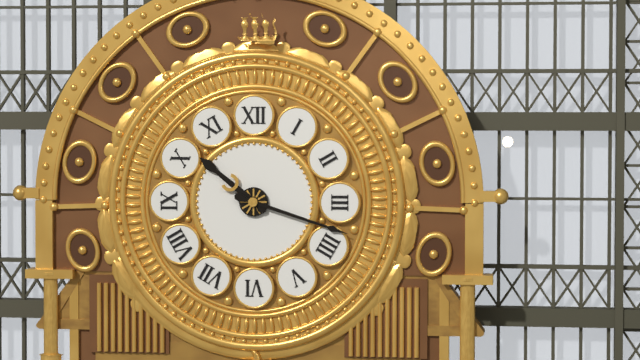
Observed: {"hour": 10, "minute": 18}
